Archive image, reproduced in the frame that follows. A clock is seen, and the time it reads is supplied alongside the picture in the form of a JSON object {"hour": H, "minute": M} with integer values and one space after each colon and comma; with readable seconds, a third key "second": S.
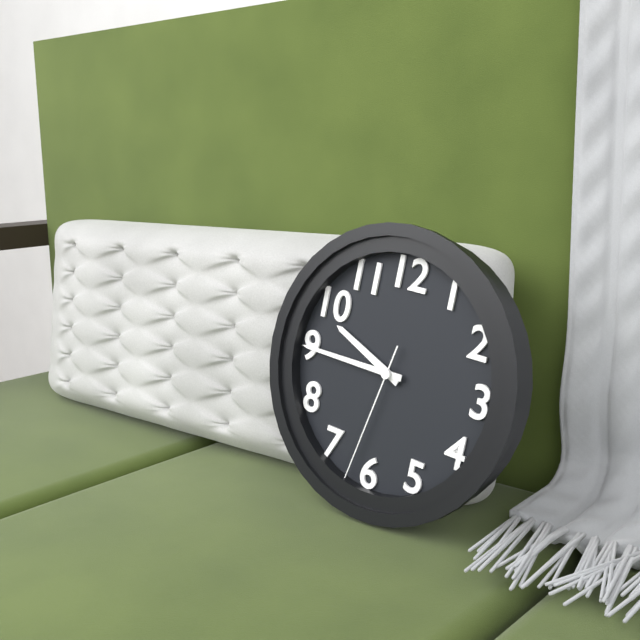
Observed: {"hour": 9, "minute": 45, "second": 32}
